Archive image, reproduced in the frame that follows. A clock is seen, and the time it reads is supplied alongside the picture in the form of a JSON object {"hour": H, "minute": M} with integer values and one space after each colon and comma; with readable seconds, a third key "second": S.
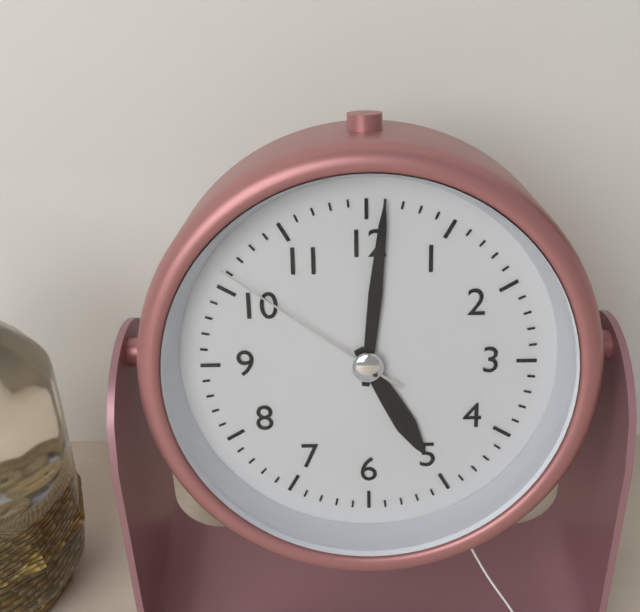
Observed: {"hour": 5, "minute": 1, "second": 51}
